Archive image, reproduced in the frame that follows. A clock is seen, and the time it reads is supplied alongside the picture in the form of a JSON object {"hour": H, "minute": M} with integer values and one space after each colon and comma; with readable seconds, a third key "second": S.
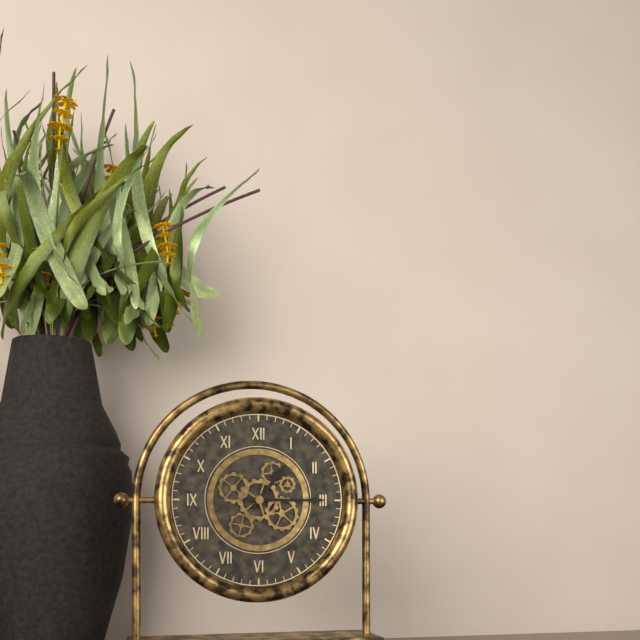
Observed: {"hour": 1, "minute": 15}
